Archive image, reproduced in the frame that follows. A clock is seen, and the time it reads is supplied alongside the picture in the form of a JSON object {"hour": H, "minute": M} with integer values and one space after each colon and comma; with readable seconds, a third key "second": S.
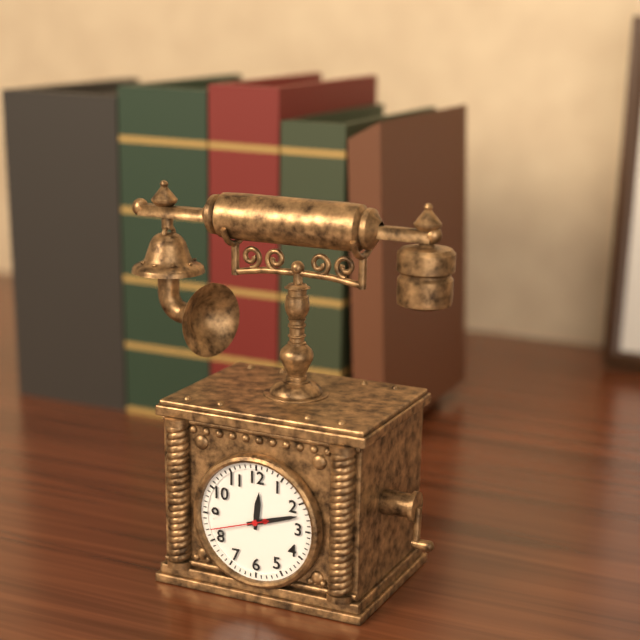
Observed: {"hour": 12, "minute": 12, "second": 42}
